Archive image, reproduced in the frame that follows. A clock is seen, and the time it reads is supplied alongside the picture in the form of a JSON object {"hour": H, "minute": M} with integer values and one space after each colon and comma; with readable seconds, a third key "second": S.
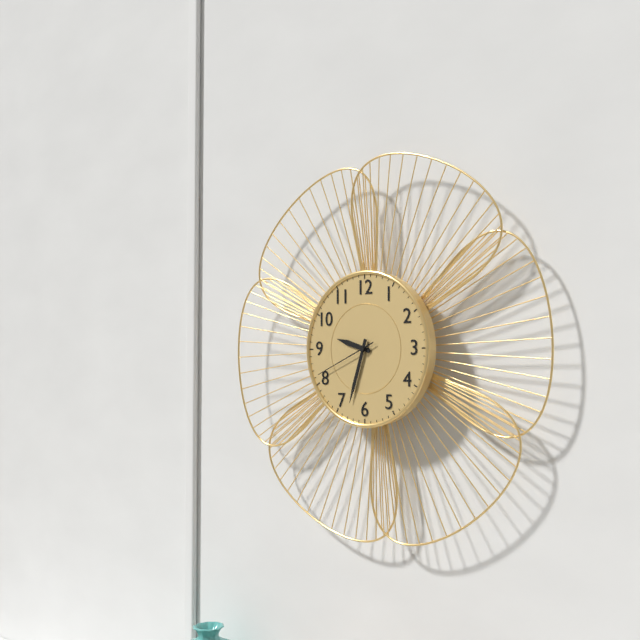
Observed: {"hour": 9, "minute": 33, "second": 41}
